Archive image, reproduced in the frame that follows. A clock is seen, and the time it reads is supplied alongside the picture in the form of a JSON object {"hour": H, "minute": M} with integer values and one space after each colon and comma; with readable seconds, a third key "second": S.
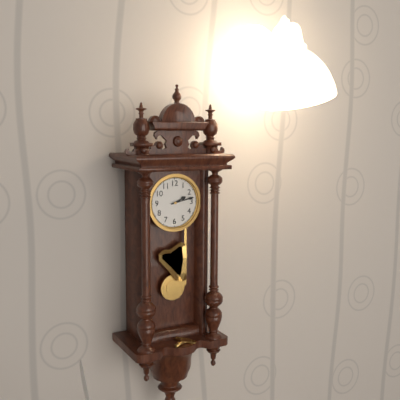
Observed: {"hour": 2, "minute": 13}
